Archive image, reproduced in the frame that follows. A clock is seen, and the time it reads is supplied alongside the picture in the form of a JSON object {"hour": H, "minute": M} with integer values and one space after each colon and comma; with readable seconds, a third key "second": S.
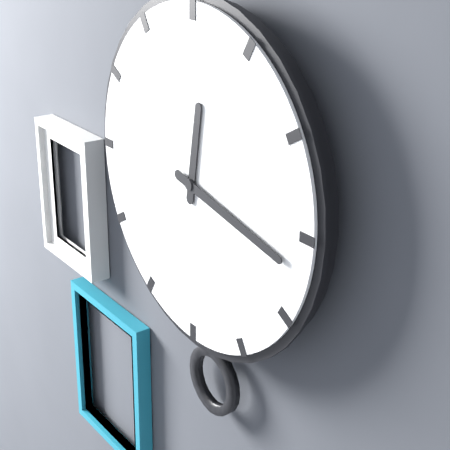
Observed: {"hour": 12, "minute": 17}
